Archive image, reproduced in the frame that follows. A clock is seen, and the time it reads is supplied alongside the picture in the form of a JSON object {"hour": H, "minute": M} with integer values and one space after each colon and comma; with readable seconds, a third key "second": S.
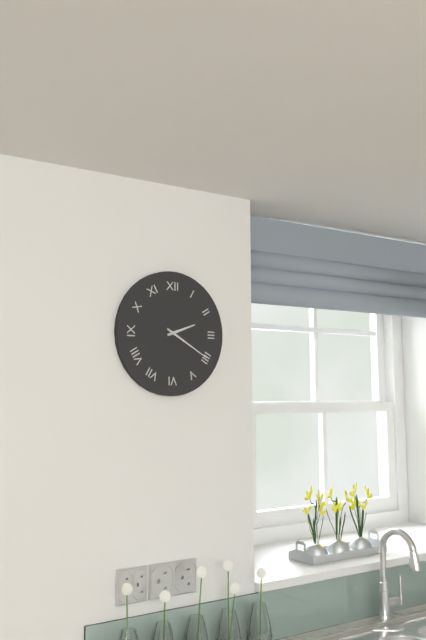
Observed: {"hour": 2, "minute": 20}
